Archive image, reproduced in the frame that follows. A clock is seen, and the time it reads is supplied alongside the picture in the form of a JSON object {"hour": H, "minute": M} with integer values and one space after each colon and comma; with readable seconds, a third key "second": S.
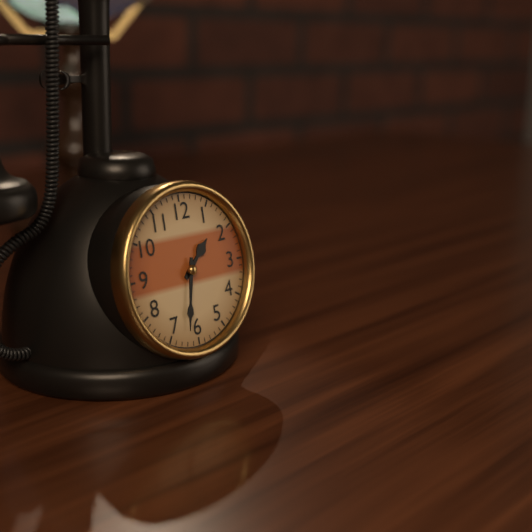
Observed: {"hour": 1, "minute": 32}
